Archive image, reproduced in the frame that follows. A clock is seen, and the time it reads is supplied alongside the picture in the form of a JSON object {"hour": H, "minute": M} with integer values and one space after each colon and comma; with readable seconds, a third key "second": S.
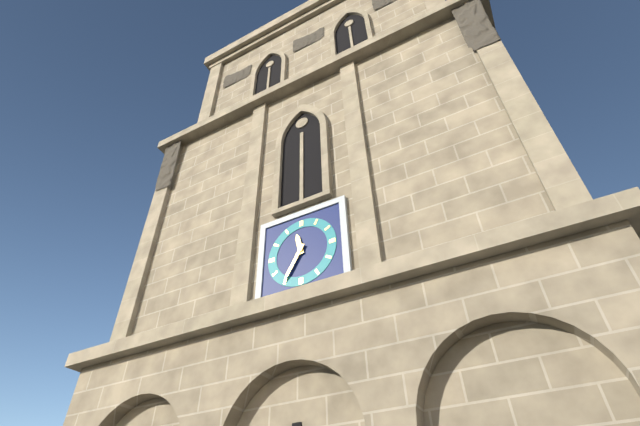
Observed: {"hour": 11, "minute": 35}
